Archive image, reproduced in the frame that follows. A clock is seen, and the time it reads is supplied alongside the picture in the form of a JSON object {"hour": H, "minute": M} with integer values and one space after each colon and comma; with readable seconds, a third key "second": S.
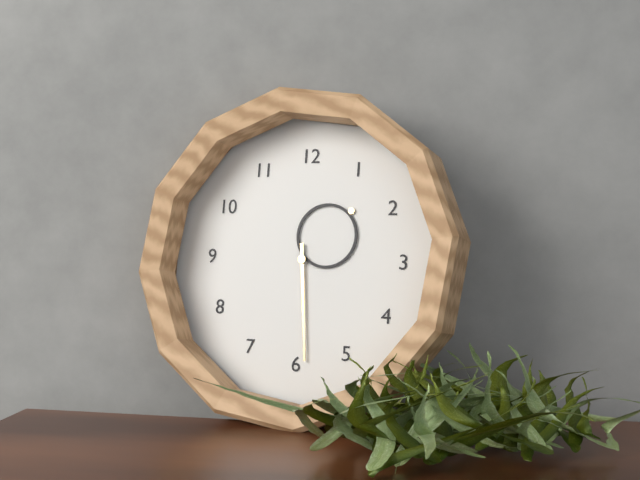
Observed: {"hour": 1, "minute": 29}
